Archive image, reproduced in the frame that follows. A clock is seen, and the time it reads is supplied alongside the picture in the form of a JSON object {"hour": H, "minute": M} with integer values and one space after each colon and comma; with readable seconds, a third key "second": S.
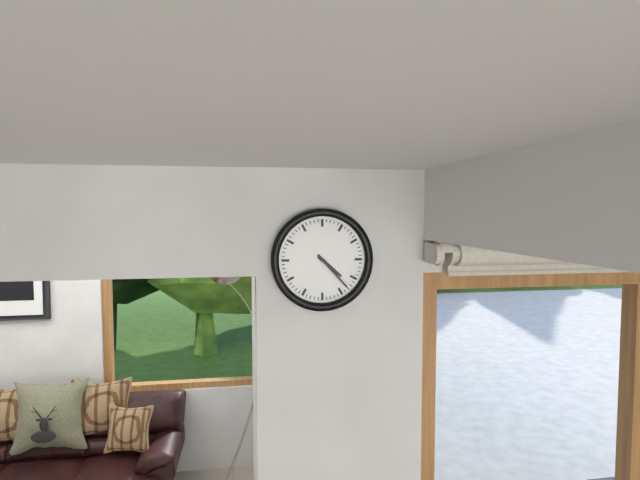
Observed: {"hour": 4, "minute": 23}
